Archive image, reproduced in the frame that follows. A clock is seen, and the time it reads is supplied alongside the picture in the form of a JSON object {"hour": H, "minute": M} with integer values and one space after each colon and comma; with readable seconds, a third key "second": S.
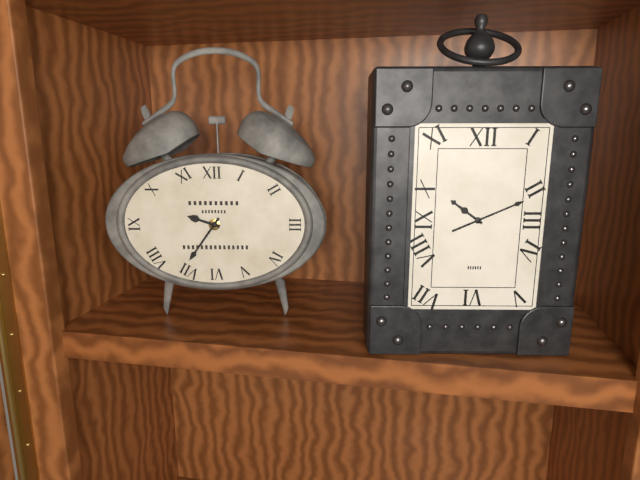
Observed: {"hour": 9, "minute": 36}
